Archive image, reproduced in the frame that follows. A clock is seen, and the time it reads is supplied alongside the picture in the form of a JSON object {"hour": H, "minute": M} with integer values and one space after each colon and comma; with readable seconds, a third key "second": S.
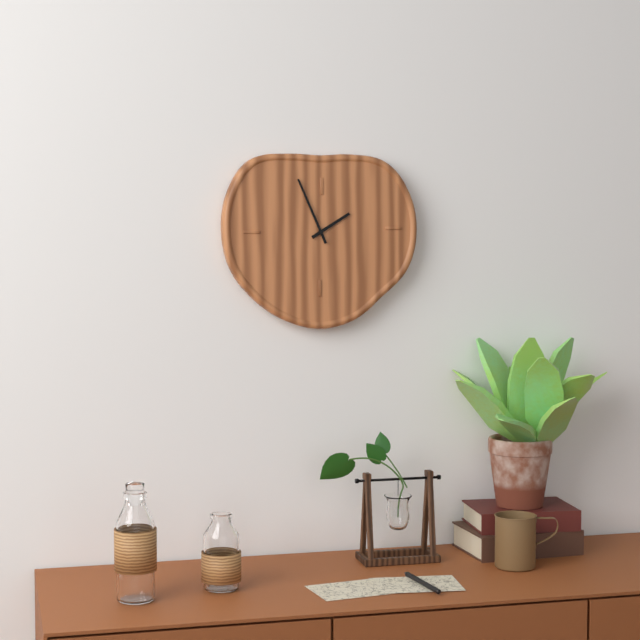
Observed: {"hour": 1, "minute": 56}
